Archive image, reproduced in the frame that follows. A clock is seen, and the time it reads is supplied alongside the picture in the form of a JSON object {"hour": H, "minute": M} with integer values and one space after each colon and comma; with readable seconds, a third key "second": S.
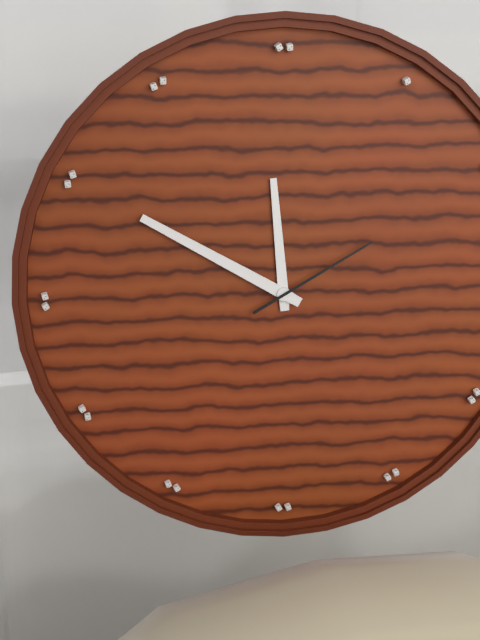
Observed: {"hour": 11, "minute": 50, "second": 10}
